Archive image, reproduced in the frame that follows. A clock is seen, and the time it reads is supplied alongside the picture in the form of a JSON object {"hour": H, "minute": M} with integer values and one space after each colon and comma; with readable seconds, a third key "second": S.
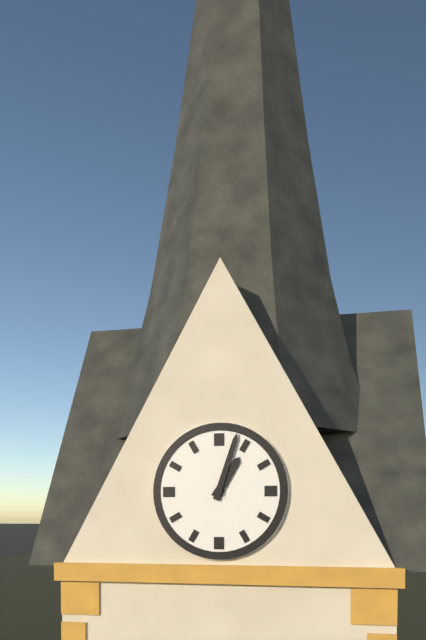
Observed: {"hour": 1, "minute": 3}
